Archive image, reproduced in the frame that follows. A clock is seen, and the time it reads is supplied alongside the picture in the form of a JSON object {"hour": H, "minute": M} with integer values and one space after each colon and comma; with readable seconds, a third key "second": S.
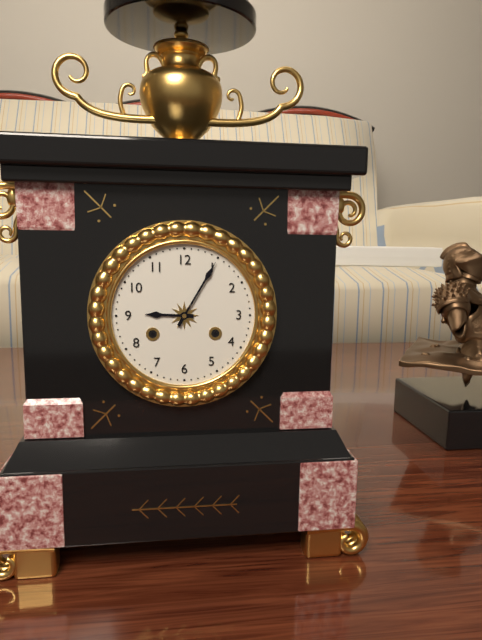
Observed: {"hour": 9, "minute": 5}
